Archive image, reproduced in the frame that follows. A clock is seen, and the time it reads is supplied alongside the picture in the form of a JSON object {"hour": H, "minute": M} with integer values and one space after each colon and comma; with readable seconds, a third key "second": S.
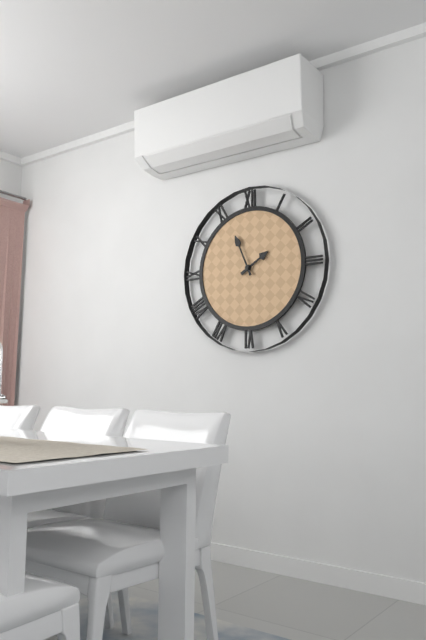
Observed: {"hour": 1, "minute": 56}
